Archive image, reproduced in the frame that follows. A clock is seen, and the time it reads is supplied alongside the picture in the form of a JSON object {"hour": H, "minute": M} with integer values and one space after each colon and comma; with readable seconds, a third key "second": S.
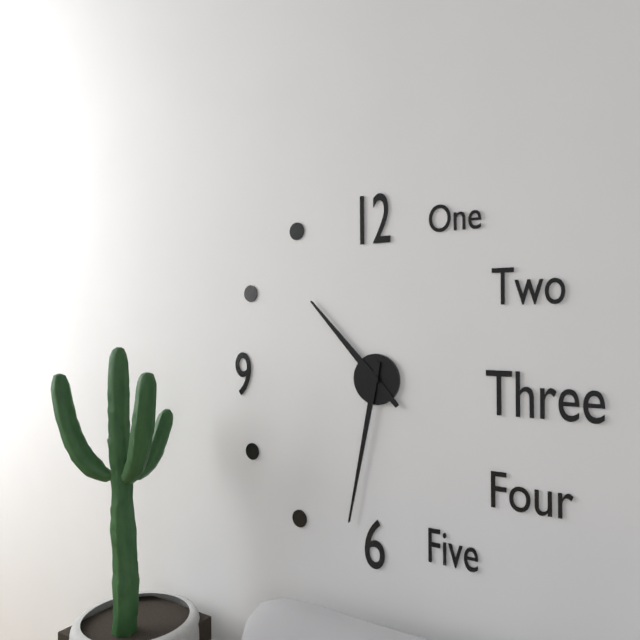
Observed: {"hour": 10, "minute": 32}
